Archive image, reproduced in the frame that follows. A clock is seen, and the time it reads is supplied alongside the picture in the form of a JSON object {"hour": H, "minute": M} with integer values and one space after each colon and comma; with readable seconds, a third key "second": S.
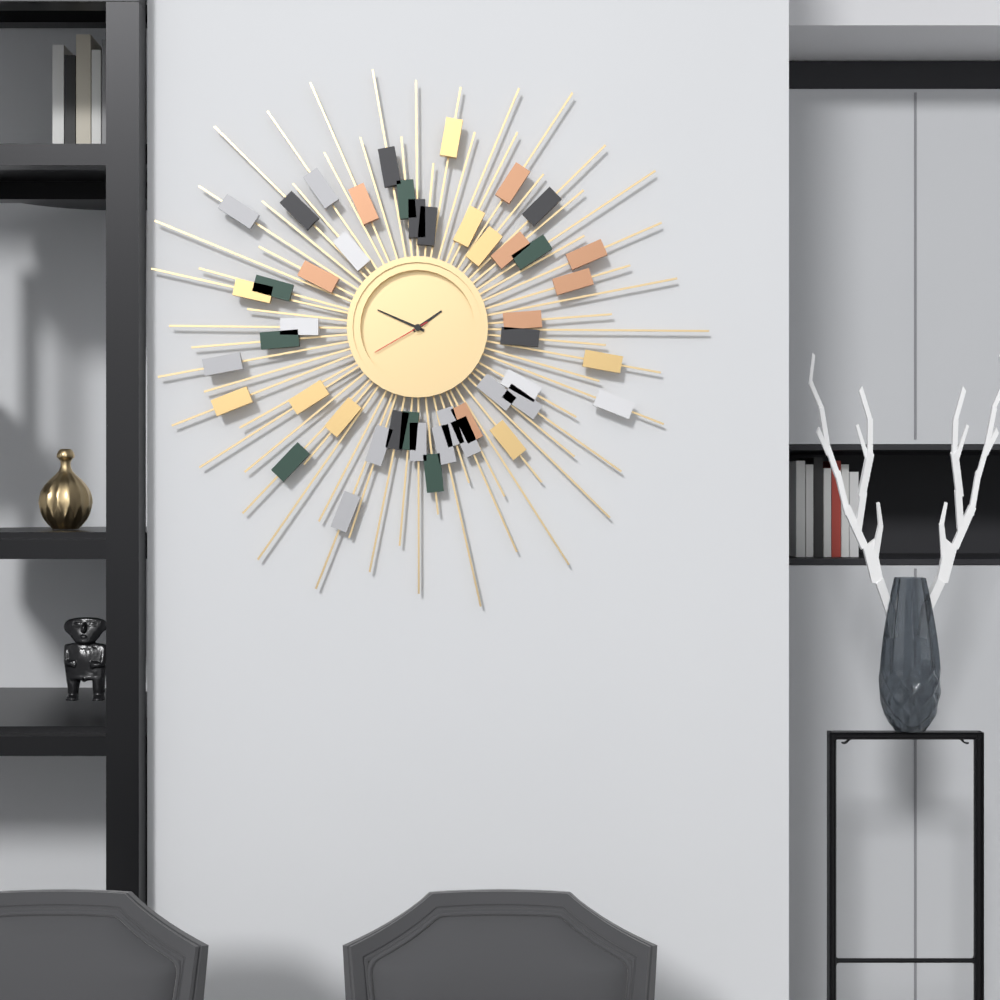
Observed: {"hour": 1, "minute": 49, "second": 40}
